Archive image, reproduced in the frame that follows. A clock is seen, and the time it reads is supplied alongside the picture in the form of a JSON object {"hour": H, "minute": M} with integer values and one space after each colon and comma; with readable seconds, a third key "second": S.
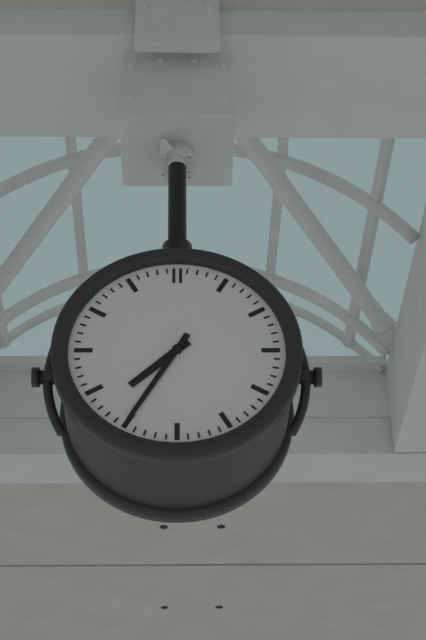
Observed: {"hour": 7, "minute": 35}
